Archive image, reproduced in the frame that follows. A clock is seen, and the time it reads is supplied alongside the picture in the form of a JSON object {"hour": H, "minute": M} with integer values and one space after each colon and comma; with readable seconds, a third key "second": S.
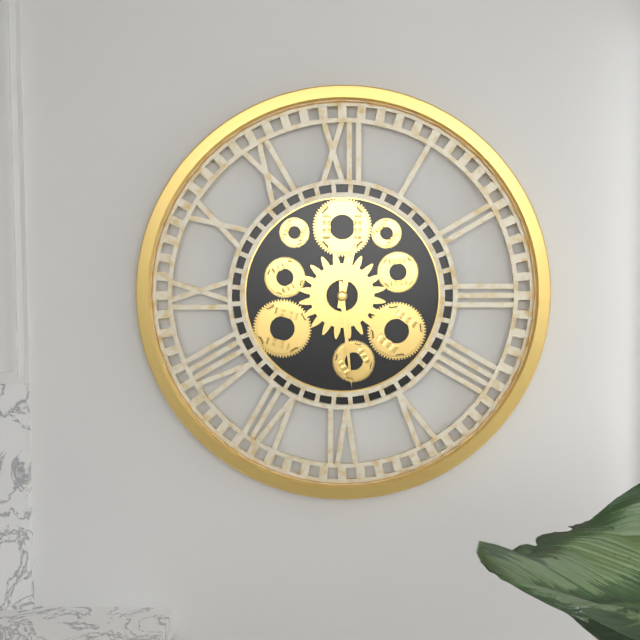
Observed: {"hour": 12, "minute": 29}
